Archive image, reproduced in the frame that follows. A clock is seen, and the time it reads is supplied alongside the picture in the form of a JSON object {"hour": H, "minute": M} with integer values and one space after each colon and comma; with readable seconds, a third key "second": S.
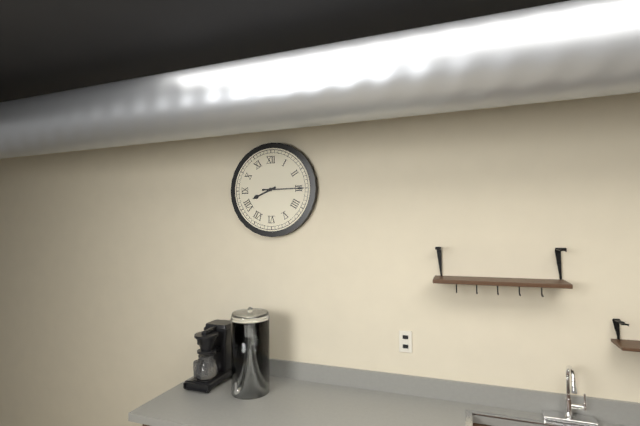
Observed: {"hour": 8, "minute": 15}
